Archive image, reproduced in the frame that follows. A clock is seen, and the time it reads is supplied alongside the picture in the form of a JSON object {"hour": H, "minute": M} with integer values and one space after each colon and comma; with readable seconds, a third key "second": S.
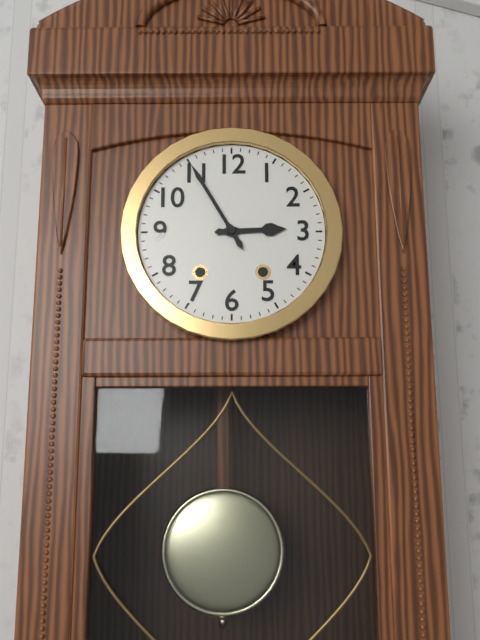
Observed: {"hour": 2, "minute": 55}
